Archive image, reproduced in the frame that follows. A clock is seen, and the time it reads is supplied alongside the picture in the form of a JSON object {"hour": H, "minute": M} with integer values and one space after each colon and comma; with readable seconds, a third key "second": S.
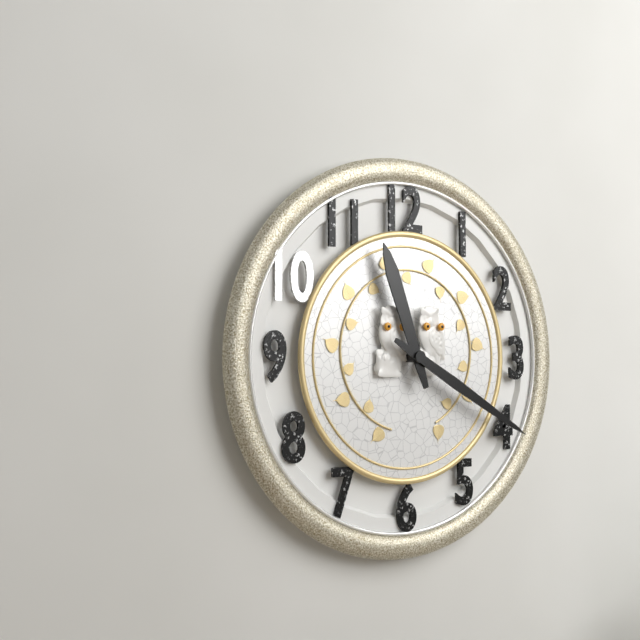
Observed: {"hour": 11, "minute": 20}
